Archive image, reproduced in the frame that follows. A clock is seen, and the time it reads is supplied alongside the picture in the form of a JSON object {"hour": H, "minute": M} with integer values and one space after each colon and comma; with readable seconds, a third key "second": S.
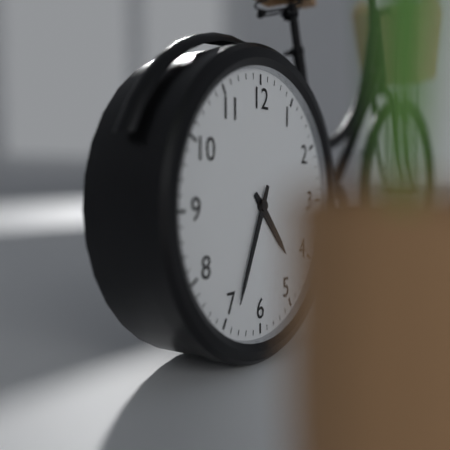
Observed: {"hour": 4, "minute": 34}
